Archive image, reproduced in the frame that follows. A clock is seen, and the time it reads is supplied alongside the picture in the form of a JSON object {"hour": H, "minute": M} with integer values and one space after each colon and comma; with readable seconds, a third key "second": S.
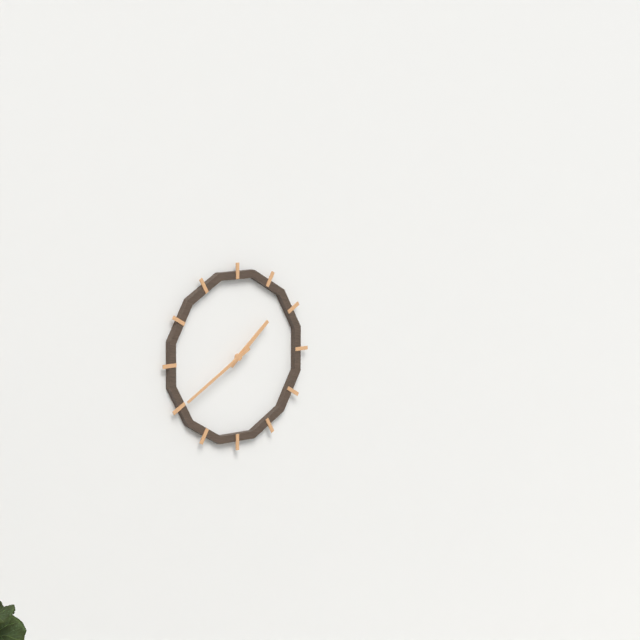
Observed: {"hour": 1, "minute": 40}
